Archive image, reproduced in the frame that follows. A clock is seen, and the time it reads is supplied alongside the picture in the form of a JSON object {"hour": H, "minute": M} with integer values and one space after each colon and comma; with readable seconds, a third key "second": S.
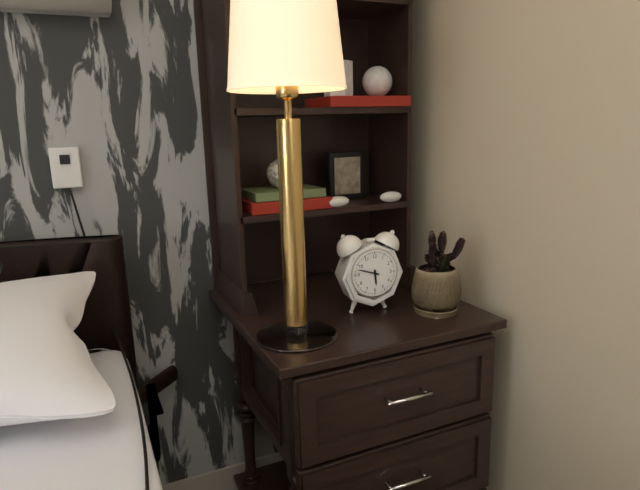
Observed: {"hour": 5, "minute": 48}
